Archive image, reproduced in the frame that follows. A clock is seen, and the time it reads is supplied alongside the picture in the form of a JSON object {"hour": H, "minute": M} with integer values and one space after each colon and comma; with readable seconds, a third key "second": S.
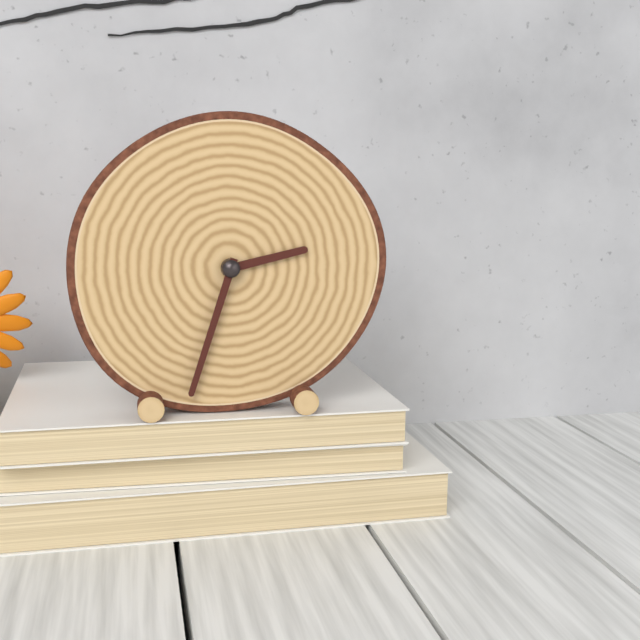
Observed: {"hour": 2, "minute": 33}
